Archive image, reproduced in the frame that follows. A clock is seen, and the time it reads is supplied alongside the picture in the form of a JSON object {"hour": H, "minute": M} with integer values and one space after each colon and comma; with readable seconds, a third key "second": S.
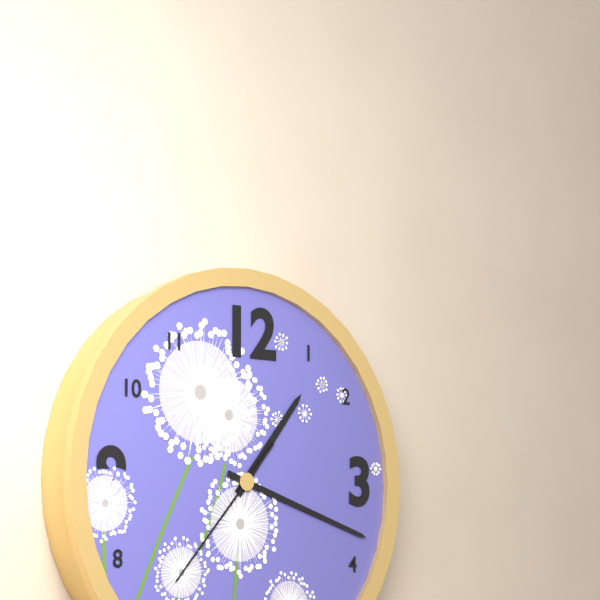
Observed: {"hour": 1, "minute": 18, "second": 37}
